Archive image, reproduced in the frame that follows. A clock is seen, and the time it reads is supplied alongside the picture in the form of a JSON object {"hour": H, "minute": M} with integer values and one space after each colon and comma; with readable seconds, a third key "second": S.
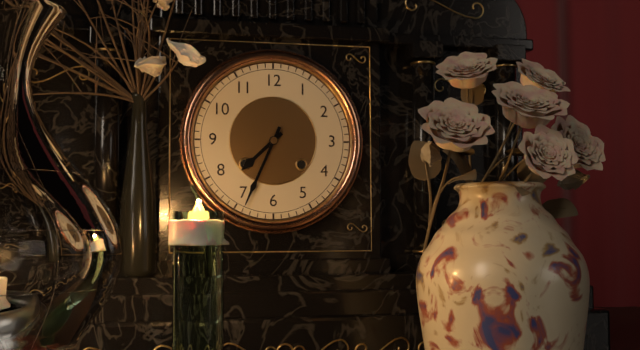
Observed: {"hour": 7, "minute": 34}
